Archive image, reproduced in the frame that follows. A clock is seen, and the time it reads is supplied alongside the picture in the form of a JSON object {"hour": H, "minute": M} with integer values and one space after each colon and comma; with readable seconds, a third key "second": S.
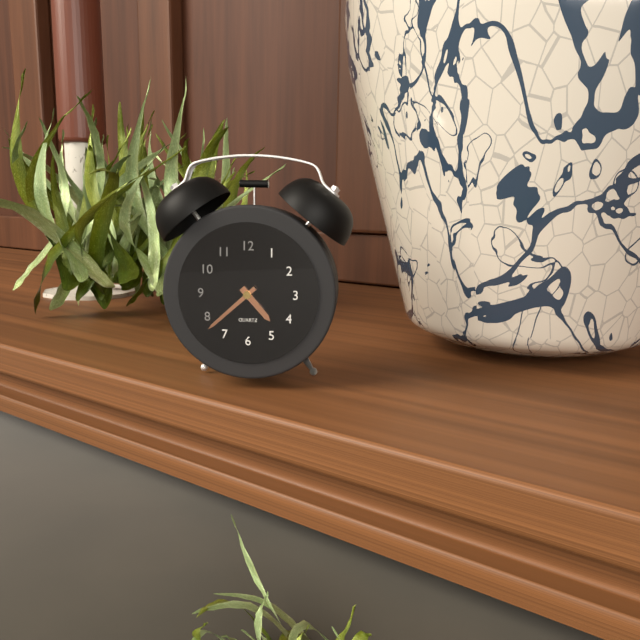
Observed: {"hour": 4, "minute": 38}
